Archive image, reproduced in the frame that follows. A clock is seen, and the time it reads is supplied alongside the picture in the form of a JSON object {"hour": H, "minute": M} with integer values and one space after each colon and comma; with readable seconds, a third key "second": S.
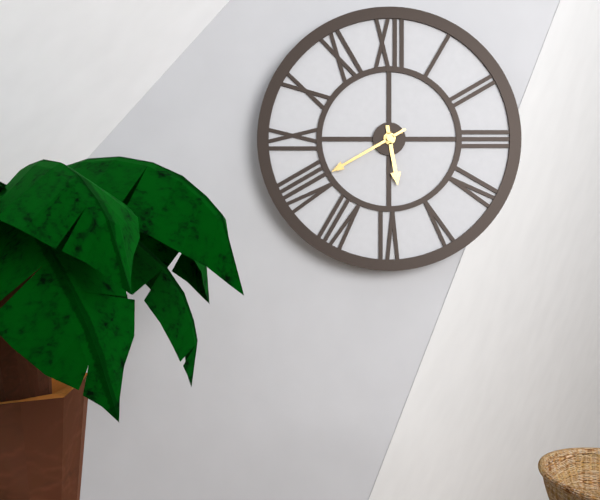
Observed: {"hour": 5, "minute": 40}
